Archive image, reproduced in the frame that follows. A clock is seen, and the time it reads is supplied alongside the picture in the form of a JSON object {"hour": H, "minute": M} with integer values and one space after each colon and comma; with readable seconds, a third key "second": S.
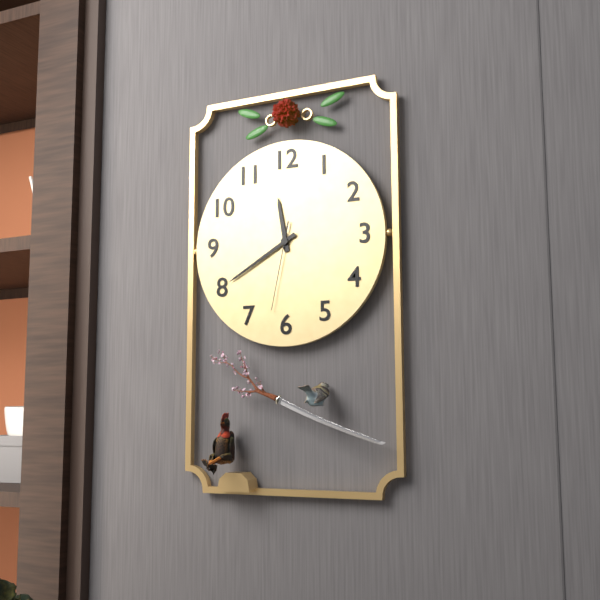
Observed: {"hour": 11, "minute": 40, "second": 32}
